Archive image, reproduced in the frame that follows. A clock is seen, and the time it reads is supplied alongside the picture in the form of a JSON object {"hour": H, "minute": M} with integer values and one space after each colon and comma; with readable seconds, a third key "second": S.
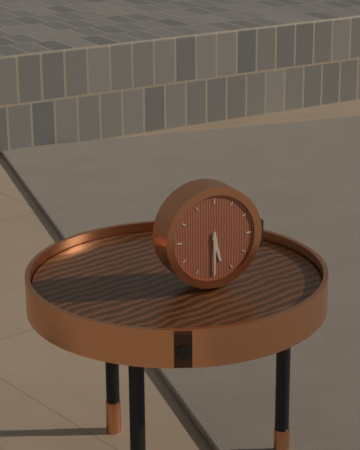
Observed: {"hour": 5, "minute": 30}
